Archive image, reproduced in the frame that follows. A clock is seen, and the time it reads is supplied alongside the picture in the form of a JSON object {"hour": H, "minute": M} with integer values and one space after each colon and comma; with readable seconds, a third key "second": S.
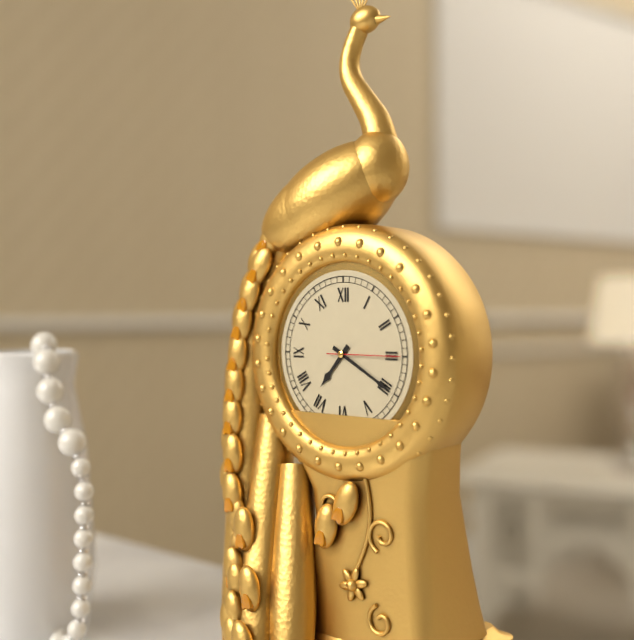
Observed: {"hour": 7, "minute": 20, "second": 15}
